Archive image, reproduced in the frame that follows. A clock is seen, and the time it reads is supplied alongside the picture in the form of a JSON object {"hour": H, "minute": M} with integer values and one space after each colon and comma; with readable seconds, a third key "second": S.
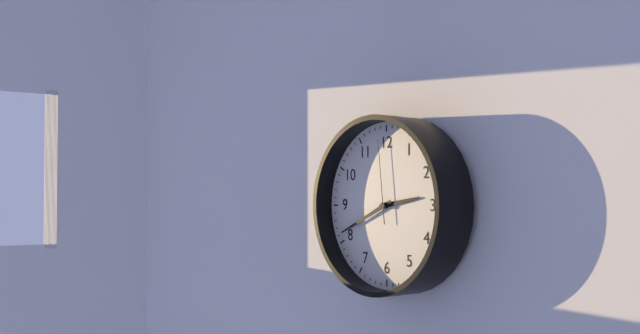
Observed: {"hour": 2, "minute": 41, "second": 59}
